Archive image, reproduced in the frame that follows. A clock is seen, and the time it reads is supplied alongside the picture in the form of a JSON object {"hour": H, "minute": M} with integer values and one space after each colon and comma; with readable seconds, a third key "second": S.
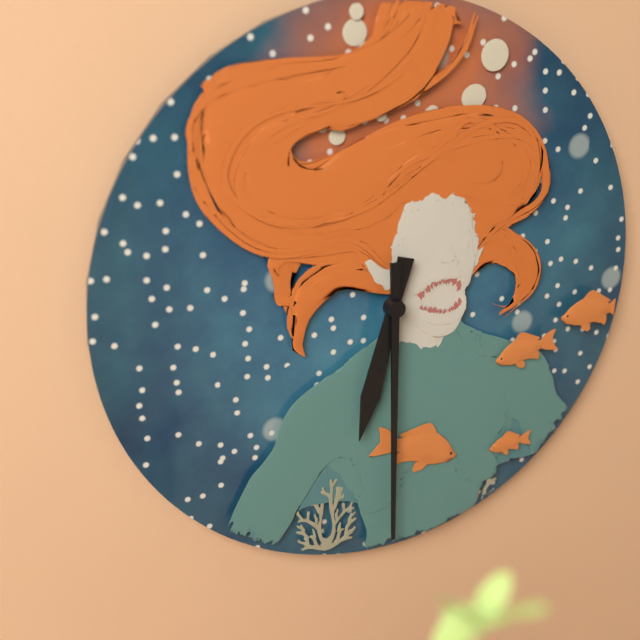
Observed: {"hour": 6, "minute": 30}
